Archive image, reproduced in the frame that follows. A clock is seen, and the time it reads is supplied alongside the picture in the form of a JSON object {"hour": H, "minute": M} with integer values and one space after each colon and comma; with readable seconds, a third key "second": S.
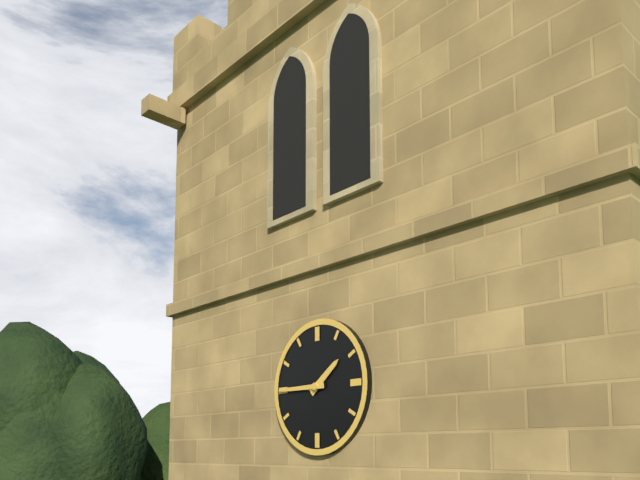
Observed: {"hour": 1, "minute": 45}
